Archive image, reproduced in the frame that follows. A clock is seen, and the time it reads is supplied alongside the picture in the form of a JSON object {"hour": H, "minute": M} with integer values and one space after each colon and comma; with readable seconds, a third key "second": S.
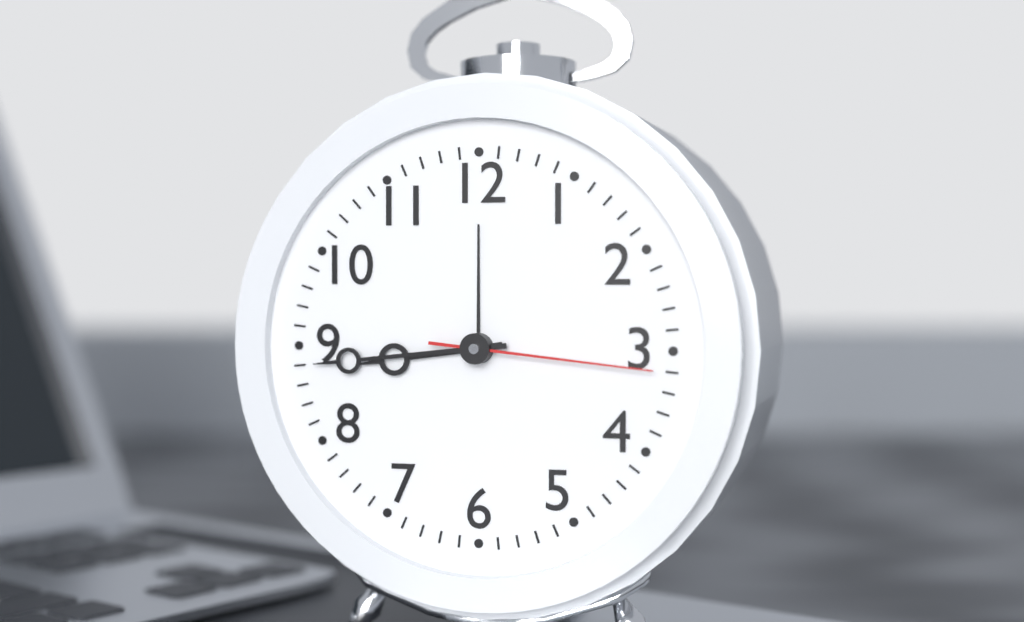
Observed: {"hour": 8, "minute": 44, "second": 16}
